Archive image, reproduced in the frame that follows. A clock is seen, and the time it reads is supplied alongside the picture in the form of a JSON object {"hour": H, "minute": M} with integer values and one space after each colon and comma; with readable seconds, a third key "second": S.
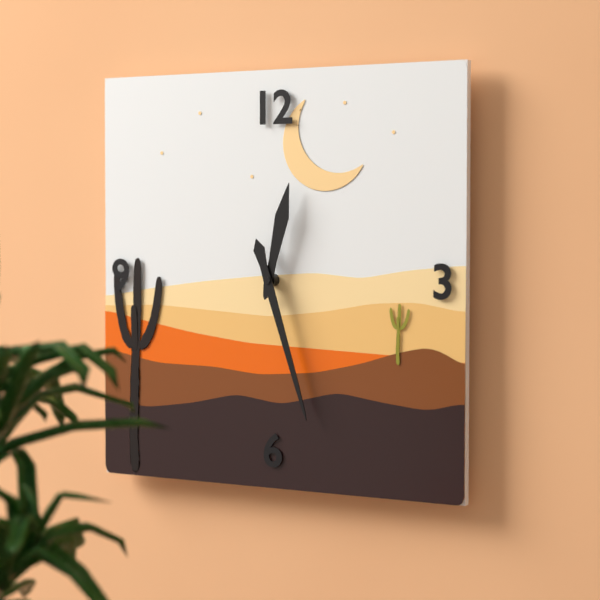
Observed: {"hour": 12, "minute": 27}
